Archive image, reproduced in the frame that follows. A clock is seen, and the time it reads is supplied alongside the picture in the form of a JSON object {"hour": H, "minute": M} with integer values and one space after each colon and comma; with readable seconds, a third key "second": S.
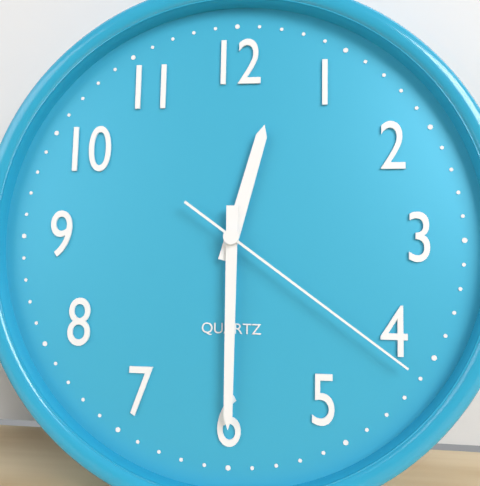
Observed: {"hour": 12, "minute": 30, "second": 21}
